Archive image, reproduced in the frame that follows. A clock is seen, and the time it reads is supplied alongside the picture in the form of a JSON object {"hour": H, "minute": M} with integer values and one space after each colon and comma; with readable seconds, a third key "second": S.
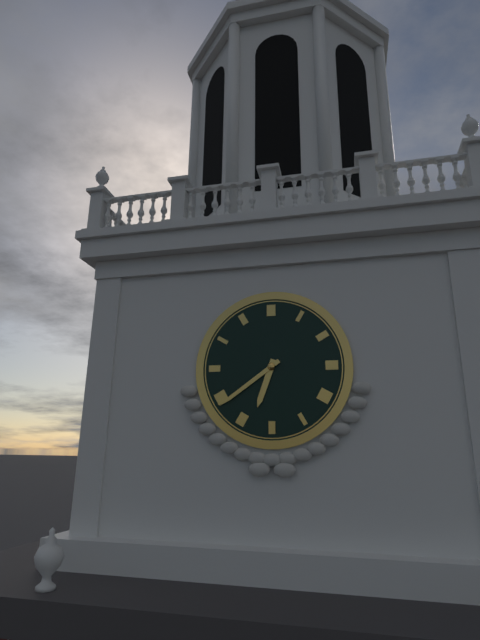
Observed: {"hour": 6, "minute": 39}
